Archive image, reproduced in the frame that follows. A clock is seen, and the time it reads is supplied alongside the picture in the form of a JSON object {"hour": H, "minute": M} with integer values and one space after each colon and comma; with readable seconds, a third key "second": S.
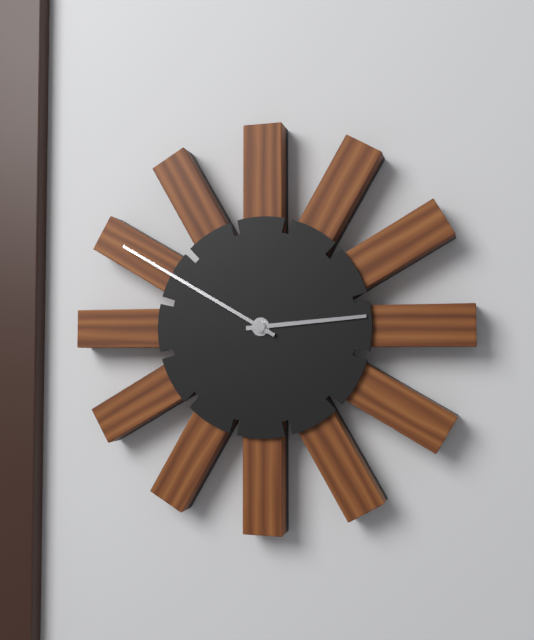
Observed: {"hour": 2, "minute": 50}
